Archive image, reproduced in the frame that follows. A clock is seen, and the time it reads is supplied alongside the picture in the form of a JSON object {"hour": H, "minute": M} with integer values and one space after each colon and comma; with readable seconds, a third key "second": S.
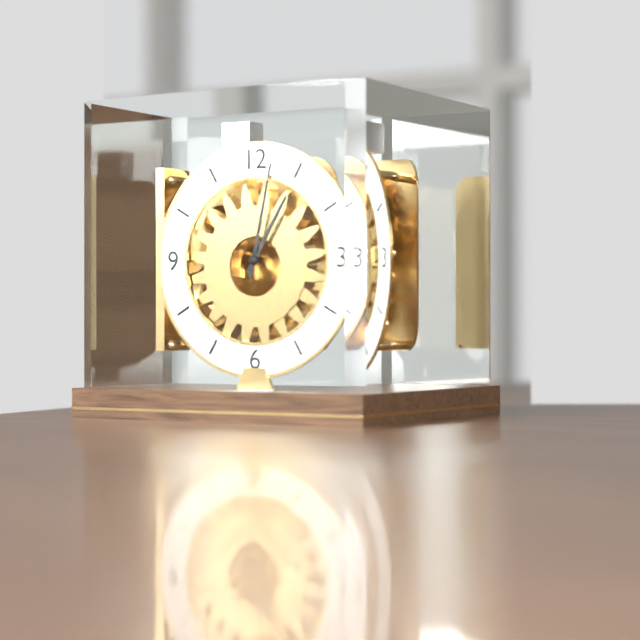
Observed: {"hour": 1, "minute": 2}
